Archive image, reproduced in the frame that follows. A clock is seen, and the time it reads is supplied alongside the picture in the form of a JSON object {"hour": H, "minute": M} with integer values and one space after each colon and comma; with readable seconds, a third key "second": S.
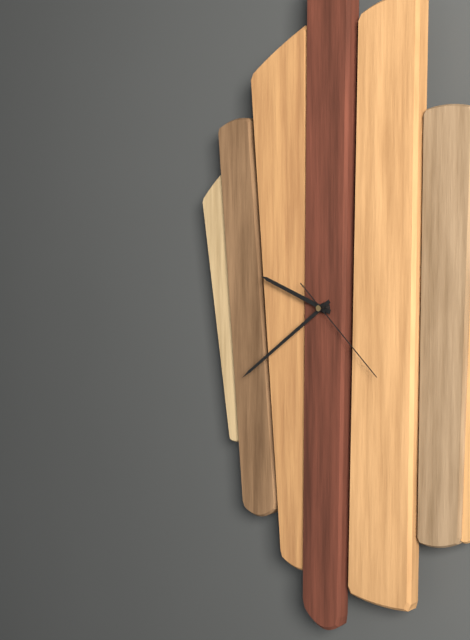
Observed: {"hour": 9, "minute": 39, "second": 22}
